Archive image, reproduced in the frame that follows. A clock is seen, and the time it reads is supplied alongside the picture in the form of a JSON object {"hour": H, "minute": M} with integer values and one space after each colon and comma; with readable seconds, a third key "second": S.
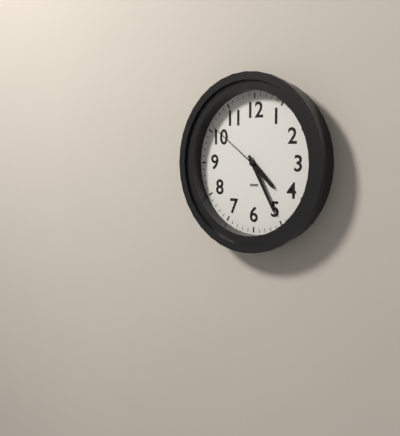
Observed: {"hour": 4, "minute": 25, "second": 51}
